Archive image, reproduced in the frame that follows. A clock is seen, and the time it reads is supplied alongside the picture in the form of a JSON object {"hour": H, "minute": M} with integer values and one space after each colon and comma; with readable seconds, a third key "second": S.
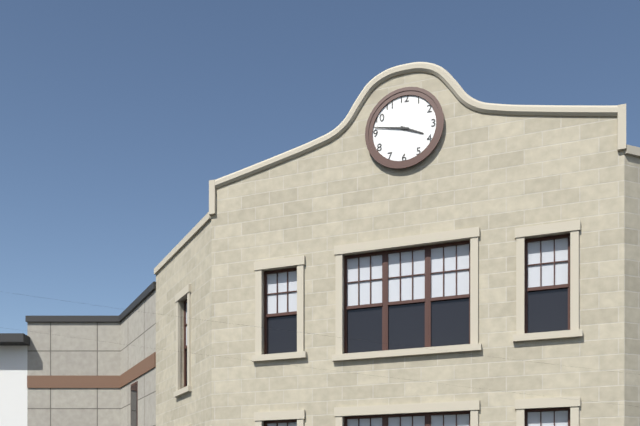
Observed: {"hour": 3, "minute": 47}
